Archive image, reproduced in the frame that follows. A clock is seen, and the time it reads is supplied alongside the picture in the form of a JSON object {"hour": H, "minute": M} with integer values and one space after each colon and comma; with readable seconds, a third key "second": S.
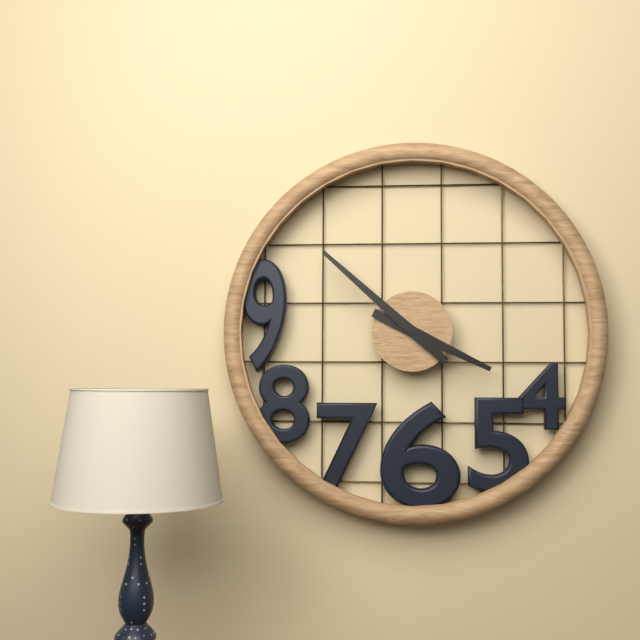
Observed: {"hour": 3, "minute": 52}
